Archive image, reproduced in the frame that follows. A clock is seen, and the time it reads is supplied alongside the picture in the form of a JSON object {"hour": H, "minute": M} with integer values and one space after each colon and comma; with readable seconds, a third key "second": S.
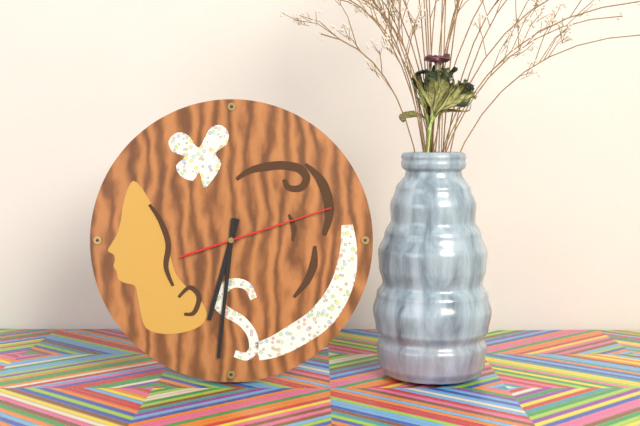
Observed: {"hour": 6, "minute": 31, "second": 12}
